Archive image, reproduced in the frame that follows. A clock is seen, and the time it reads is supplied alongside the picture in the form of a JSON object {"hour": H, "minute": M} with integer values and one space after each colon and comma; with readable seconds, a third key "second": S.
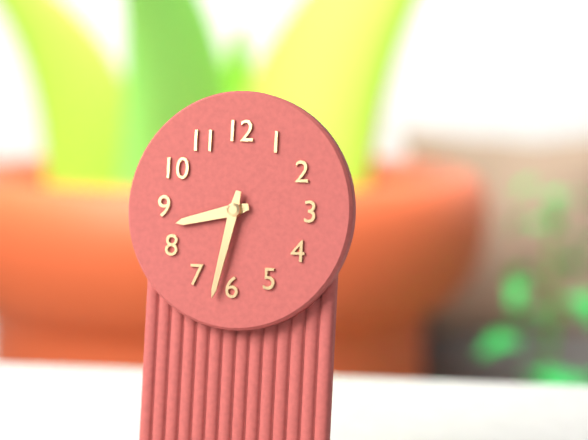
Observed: {"hour": 8, "minute": 32}
